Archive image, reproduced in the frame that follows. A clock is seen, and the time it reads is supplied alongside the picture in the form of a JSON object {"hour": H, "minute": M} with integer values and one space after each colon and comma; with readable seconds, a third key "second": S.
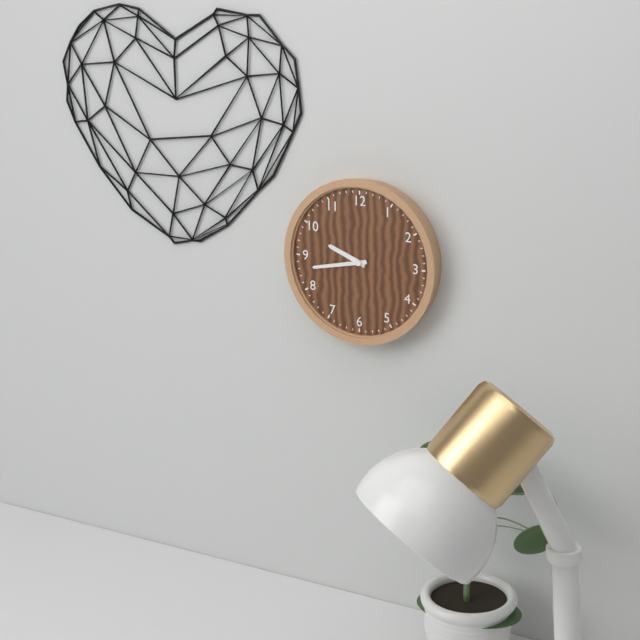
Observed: {"hour": 9, "minute": 43}
